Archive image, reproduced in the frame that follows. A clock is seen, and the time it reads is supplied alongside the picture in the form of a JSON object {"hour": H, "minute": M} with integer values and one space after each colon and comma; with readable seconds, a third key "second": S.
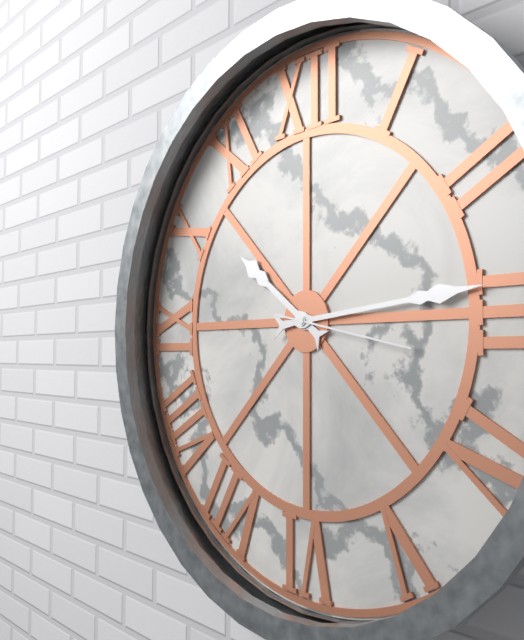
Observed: {"hour": 10, "minute": 14, "second": 17}
